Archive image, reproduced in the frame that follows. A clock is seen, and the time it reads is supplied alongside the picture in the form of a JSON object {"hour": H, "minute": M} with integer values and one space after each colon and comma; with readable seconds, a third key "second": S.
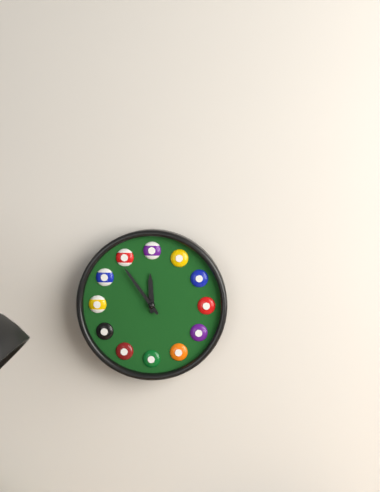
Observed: {"hour": 11, "minute": 54}
